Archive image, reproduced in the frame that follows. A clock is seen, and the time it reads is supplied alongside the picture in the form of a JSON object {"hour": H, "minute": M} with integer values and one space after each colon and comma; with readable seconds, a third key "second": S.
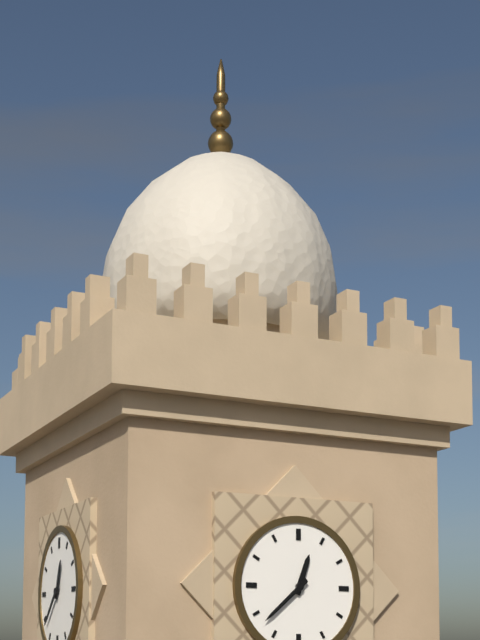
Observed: {"hour": 12, "minute": 38}
